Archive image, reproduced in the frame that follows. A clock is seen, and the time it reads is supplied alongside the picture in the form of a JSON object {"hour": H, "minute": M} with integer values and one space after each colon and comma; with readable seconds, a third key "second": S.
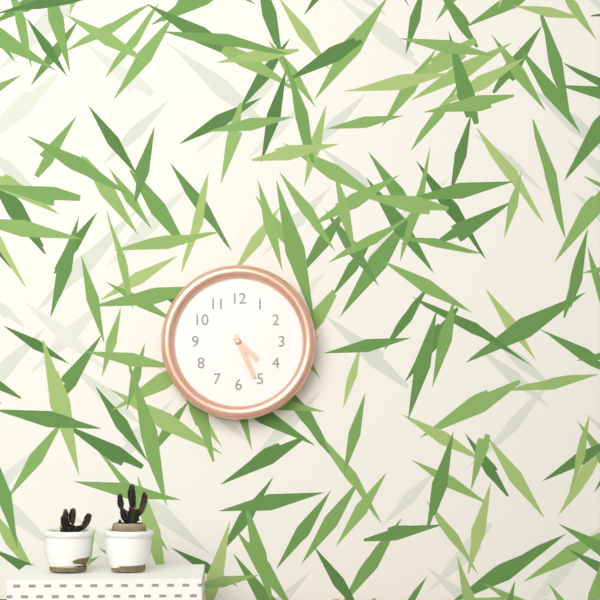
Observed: {"hour": 4, "minute": 26}
